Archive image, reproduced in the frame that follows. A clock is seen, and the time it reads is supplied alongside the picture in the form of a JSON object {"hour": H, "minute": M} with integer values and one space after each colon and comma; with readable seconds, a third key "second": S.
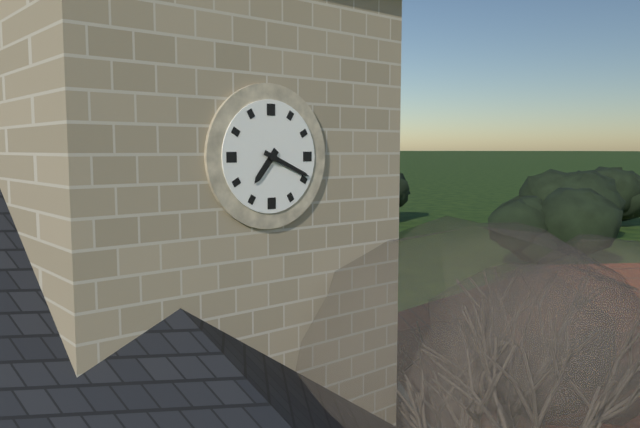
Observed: {"hour": 7, "minute": 19}
